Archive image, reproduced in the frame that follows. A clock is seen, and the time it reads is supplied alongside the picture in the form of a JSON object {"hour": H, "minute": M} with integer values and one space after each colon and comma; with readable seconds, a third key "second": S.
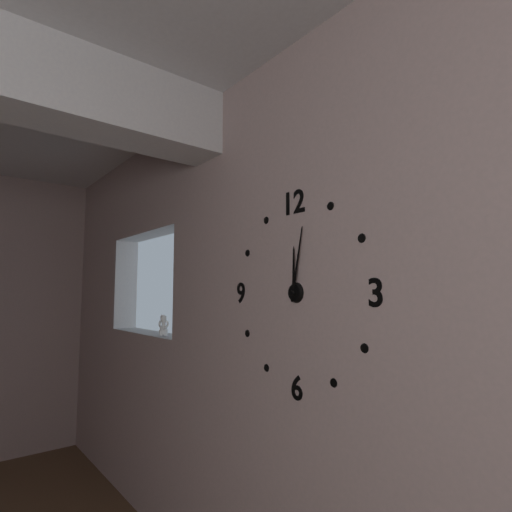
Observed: {"hour": 12, "minute": 2}
